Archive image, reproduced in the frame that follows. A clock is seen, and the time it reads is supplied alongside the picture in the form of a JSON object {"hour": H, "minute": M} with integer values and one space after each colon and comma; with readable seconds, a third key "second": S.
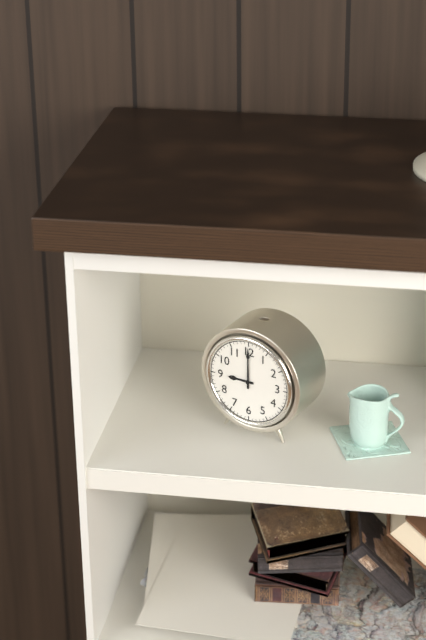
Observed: {"hour": 9, "minute": 0}
